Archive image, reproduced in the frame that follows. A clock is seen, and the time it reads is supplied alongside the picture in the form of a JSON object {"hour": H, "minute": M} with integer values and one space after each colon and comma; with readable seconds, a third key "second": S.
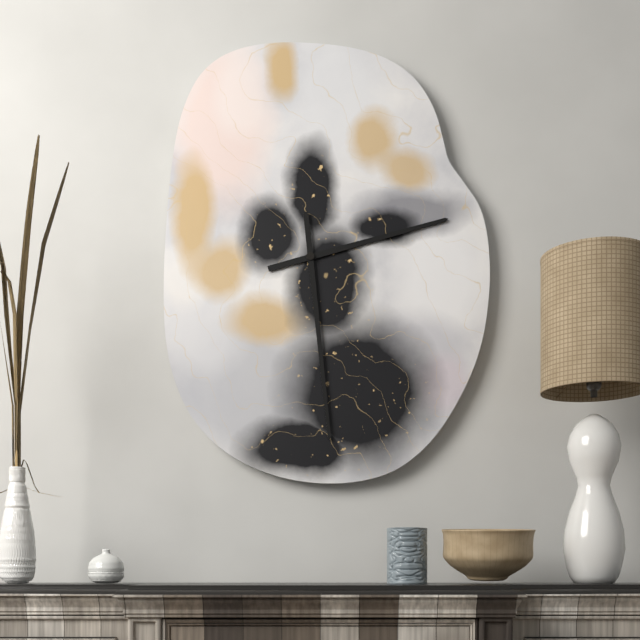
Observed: {"hour": 2, "minute": 29}
